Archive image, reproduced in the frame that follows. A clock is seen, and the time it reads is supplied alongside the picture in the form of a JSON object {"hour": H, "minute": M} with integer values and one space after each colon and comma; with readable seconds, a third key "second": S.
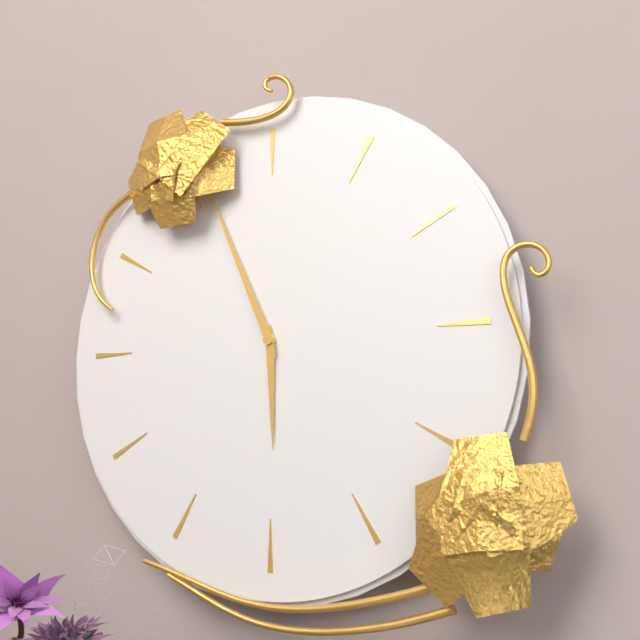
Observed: {"hour": 5, "minute": 56}
